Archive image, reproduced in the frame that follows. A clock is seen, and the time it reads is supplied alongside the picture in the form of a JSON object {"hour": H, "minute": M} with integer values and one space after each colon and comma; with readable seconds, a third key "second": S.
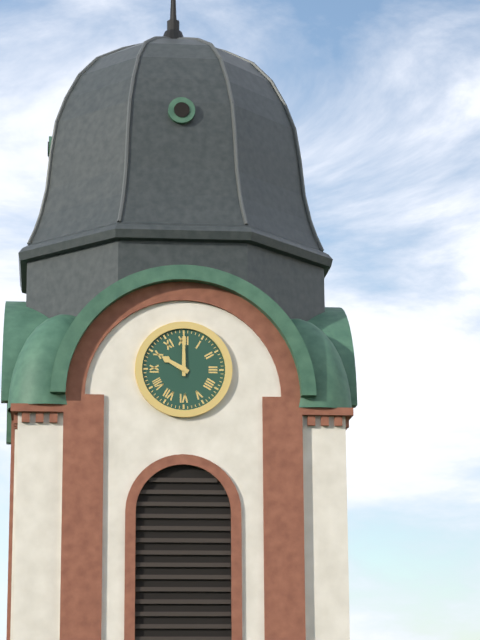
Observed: {"hour": 10, "minute": 0}
